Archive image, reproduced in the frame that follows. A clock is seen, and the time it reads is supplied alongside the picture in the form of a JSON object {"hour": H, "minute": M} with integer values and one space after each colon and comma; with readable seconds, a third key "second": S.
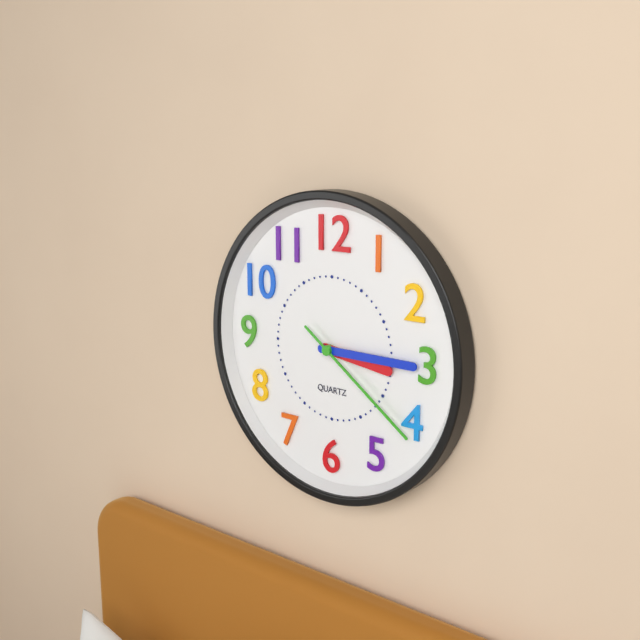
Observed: {"hour": 3, "minute": 15, "second": 21}
